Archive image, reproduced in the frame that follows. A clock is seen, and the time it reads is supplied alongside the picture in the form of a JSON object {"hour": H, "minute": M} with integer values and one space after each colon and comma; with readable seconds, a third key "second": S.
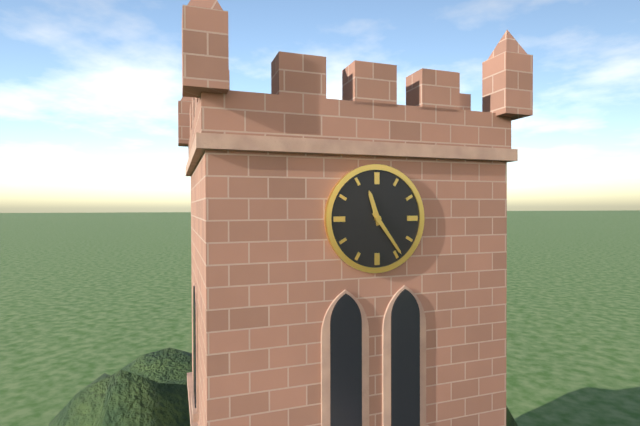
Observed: {"hour": 11, "minute": 24}
